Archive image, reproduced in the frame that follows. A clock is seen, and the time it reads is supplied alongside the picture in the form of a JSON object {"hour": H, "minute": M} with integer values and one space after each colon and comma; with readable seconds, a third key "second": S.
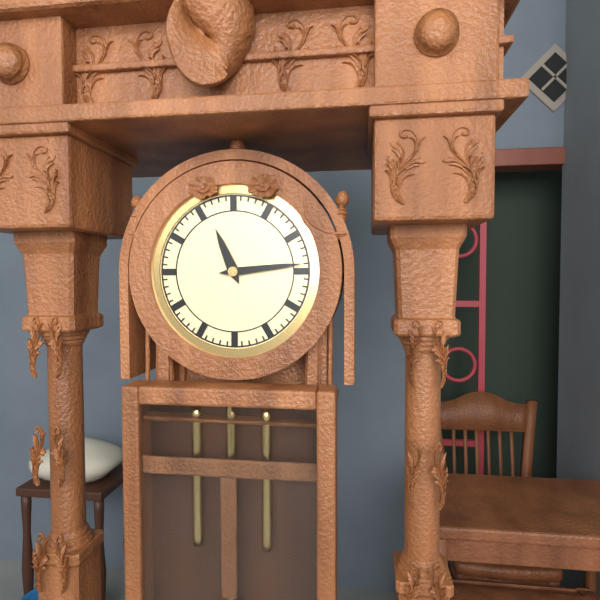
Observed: {"hour": 11, "minute": 14}
